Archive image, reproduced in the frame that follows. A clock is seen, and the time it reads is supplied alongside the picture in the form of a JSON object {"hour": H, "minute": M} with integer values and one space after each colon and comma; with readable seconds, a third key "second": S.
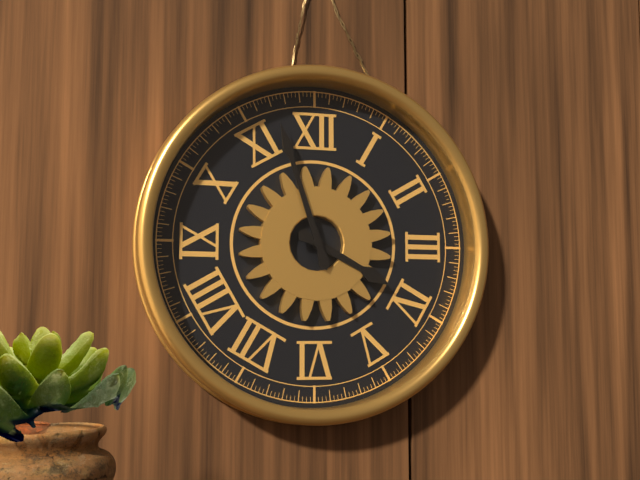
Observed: {"hour": 3, "minute": 57}
